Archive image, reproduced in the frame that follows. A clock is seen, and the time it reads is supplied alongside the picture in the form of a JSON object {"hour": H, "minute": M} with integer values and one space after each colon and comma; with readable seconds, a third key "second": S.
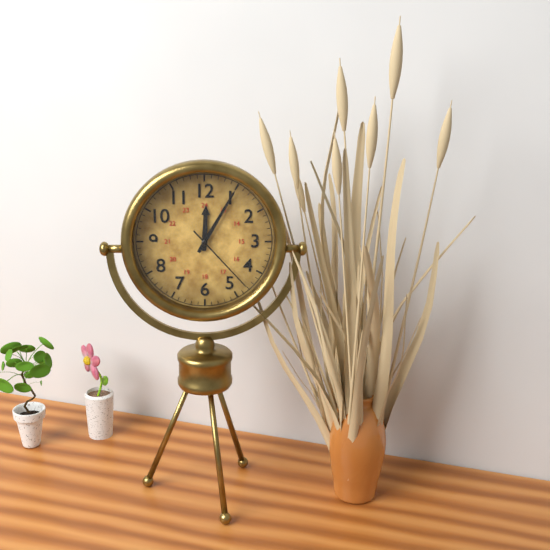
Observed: {"hour": 12, "minute": 5, "second": 23}
